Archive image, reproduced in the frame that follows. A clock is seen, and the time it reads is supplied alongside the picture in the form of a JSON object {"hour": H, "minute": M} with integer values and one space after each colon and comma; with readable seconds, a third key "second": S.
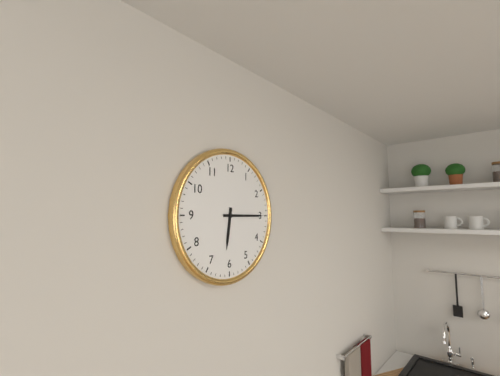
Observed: {"hour": 6, "minute": 15}
